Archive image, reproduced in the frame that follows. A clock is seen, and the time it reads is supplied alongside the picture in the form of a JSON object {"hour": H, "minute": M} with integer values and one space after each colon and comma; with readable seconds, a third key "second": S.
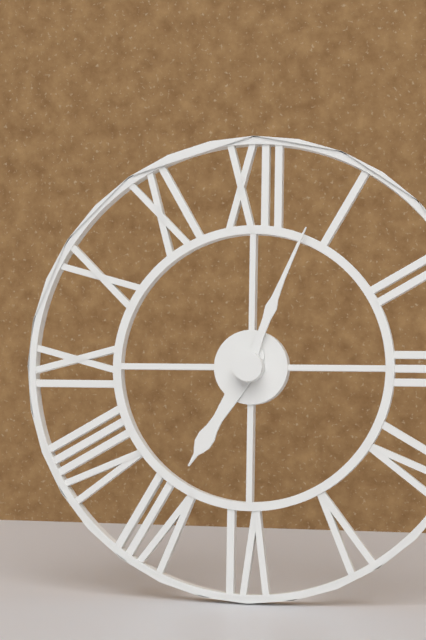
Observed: {"hour": 7, "minute": 3}
